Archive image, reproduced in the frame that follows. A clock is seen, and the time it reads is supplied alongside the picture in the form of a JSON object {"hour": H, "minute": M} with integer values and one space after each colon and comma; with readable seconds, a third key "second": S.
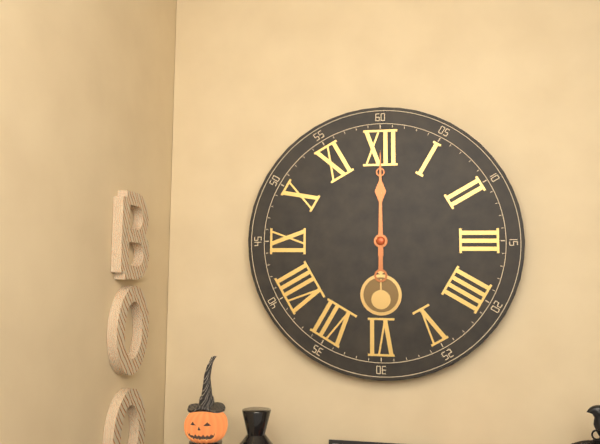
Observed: {"hour": 12, "minute": 0}
